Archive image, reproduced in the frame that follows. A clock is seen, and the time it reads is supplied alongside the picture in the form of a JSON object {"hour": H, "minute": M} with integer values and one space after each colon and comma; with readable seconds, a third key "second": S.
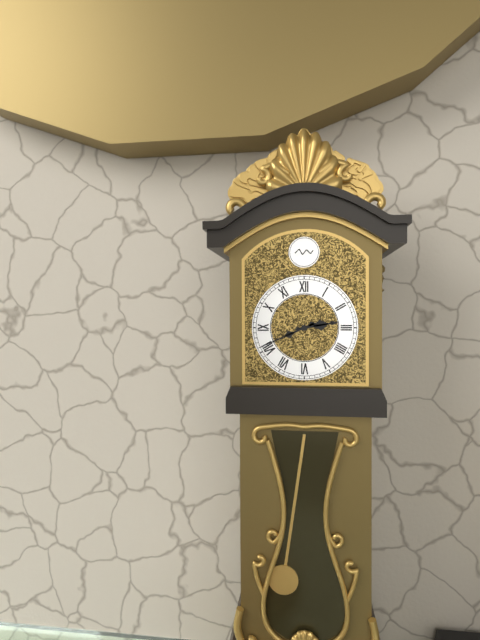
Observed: {"hour": 2, "minute": 41}
